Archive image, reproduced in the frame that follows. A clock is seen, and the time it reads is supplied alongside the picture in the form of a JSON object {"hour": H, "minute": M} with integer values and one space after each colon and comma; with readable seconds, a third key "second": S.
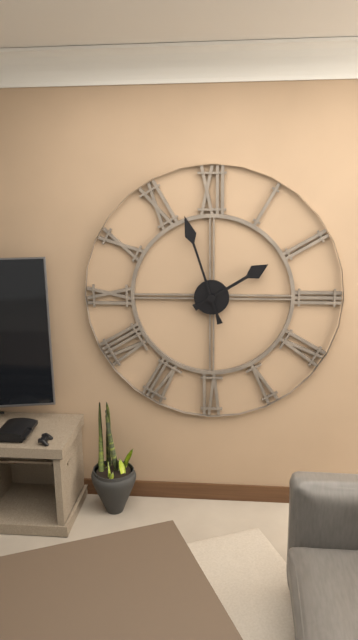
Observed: {"hour": 1, "minute": 57}
